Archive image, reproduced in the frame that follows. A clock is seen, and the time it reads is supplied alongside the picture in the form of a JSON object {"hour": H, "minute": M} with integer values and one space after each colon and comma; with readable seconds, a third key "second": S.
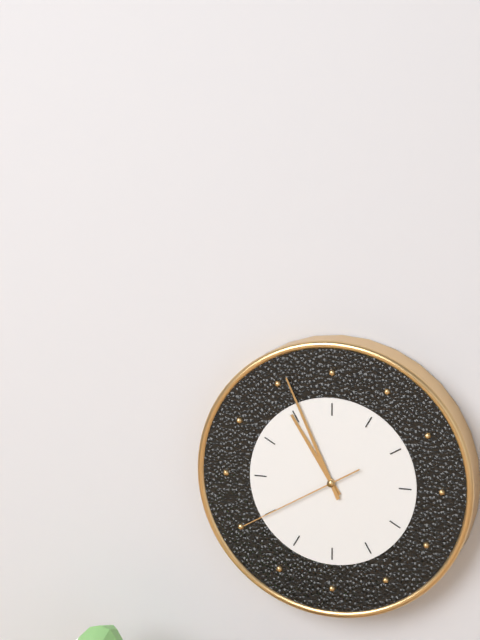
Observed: {"hour": 10, "minute": 56, "second": 40}
